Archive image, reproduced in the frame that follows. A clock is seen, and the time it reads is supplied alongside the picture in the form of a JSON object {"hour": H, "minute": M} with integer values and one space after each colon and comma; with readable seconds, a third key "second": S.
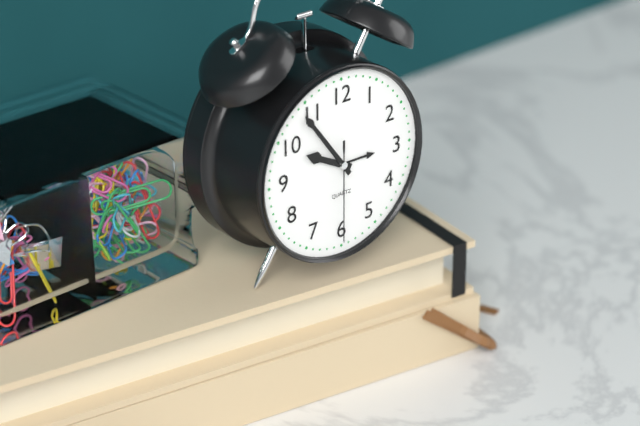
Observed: {"hour": 9, "minute": 54, "second": 30}
